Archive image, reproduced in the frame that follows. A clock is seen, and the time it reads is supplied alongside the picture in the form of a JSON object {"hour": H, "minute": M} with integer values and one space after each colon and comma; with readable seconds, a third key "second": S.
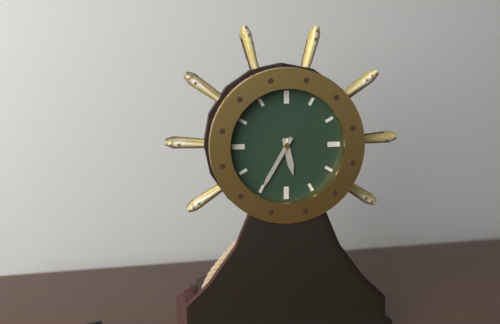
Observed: {"hour": 5, "minute": 35}
